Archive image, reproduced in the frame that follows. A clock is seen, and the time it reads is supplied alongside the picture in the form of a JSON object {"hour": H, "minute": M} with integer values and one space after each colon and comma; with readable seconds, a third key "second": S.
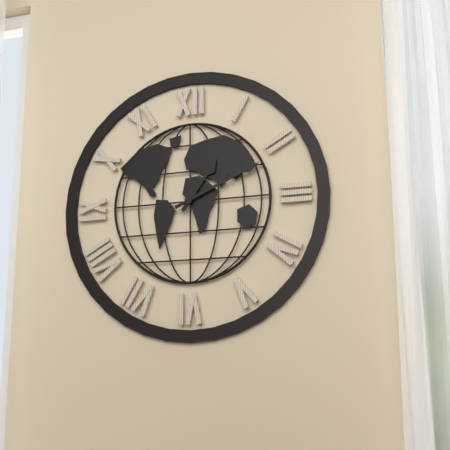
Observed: {"hour": 1, "minute": 11}
